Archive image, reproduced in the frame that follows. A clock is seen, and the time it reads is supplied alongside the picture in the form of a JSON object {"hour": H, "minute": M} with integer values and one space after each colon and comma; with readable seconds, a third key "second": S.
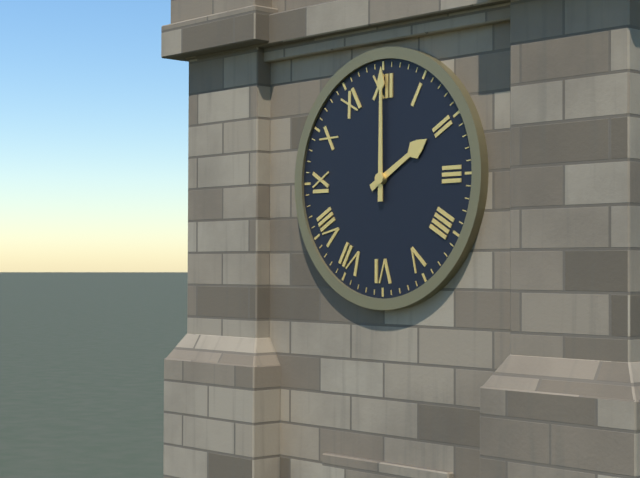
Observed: {"hour": 2, "minute": 0}
